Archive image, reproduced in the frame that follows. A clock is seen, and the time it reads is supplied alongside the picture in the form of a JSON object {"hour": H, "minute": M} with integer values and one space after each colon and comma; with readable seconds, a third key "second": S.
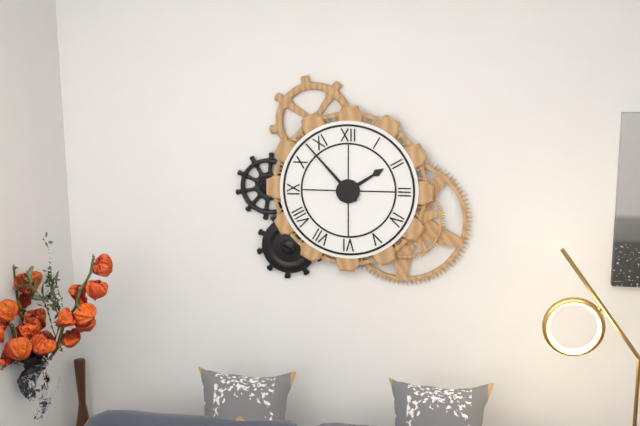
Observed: {"hour": 1, "minute": 53}
